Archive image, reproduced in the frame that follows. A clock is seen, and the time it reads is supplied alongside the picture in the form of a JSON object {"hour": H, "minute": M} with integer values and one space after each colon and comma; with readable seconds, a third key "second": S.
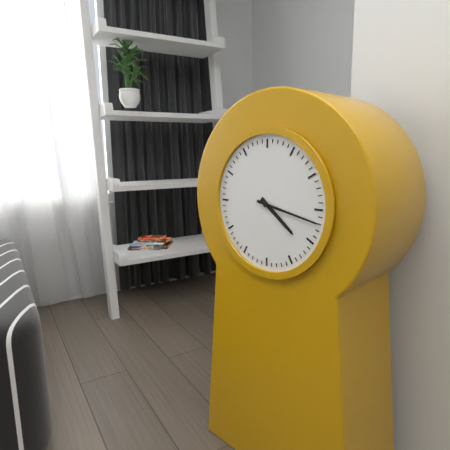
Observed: {"hour": 4, "minute": 17}
